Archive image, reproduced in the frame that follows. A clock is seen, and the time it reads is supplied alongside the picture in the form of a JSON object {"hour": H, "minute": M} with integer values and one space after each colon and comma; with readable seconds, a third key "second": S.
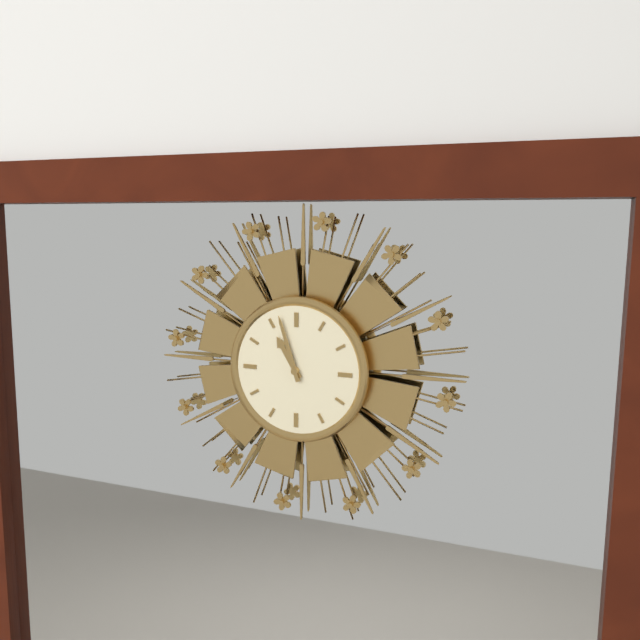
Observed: {"hour": 10, "minute": 57}
